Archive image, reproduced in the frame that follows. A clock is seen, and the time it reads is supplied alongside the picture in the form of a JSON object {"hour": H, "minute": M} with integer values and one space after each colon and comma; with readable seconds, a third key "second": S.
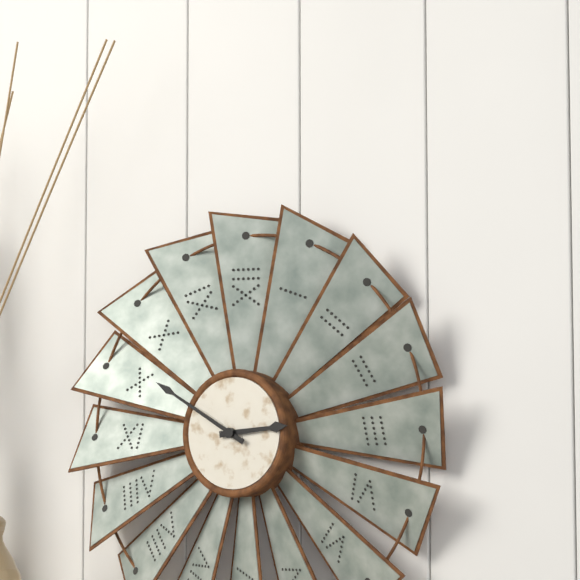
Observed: {"hour": 2, "minute": 50}
